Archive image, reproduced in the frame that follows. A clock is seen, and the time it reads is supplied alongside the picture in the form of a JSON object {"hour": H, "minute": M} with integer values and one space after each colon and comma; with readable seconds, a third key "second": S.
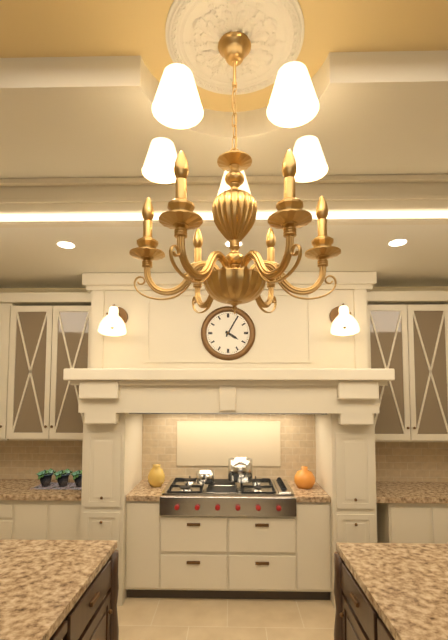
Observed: {"hour": 4, "minute": 5}
